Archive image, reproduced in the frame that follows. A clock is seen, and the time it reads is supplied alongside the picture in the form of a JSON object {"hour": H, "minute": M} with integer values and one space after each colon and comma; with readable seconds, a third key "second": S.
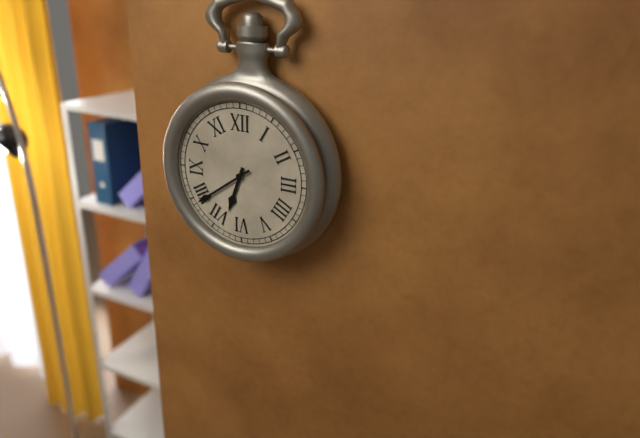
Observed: {"hour": 6, "minute": 39}
